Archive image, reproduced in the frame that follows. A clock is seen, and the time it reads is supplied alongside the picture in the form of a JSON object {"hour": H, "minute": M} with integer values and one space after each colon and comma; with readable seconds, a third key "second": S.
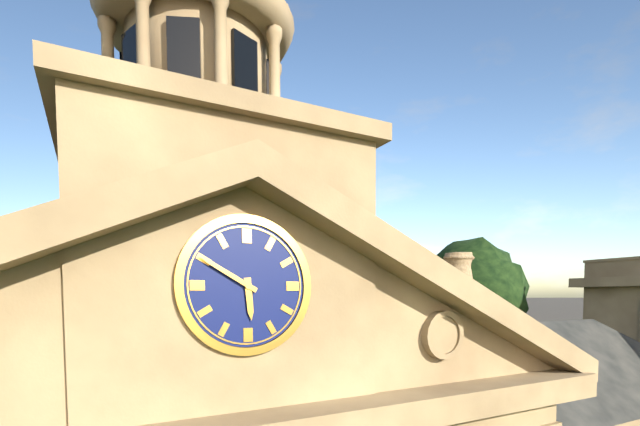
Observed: {"hour": 5, "minute": 50}
